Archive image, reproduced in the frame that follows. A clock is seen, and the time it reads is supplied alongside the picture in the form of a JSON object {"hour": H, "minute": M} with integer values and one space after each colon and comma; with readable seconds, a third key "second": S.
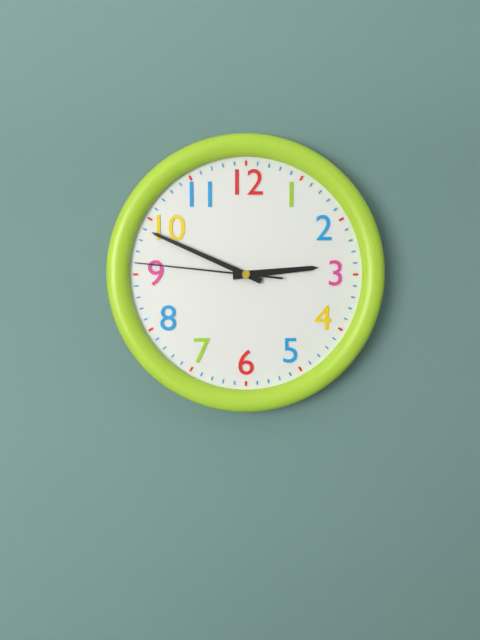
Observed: {"hour": 2, "minute": 49, "second": 46}
